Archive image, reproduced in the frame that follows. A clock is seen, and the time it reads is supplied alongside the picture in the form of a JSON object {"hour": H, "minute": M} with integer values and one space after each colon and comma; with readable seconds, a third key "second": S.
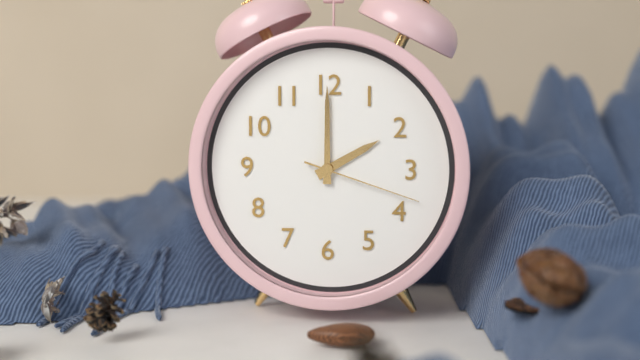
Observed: {"hour": 2, "minute": 0, "second": 18}
